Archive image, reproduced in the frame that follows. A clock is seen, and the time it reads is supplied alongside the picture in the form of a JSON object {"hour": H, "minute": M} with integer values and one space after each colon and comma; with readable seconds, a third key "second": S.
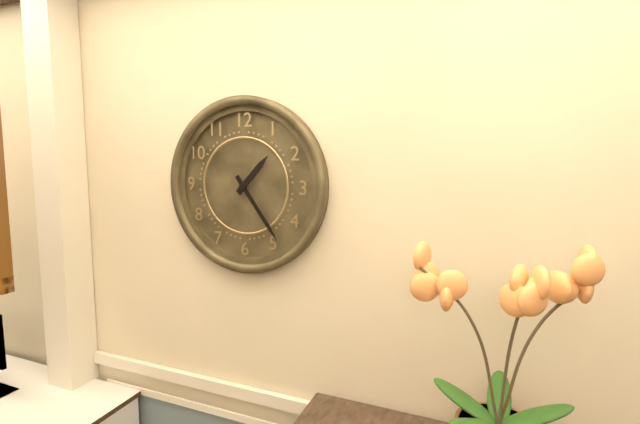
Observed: {"hour": 1, "minute": 24}
